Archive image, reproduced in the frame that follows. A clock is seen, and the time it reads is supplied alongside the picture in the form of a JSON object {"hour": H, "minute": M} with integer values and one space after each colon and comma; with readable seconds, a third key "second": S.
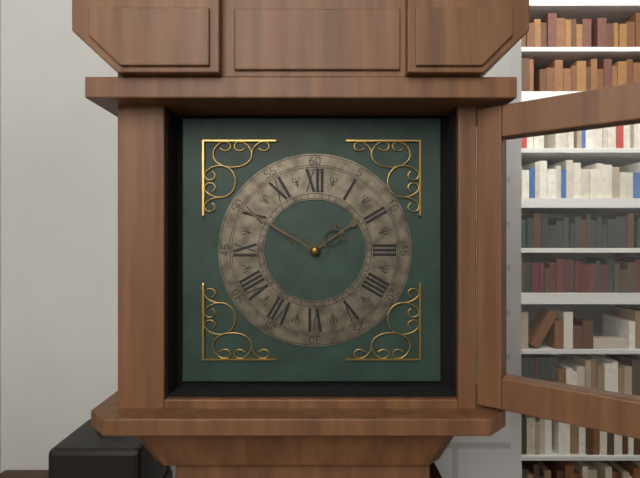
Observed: {"hour": 1, "minute": 50}
